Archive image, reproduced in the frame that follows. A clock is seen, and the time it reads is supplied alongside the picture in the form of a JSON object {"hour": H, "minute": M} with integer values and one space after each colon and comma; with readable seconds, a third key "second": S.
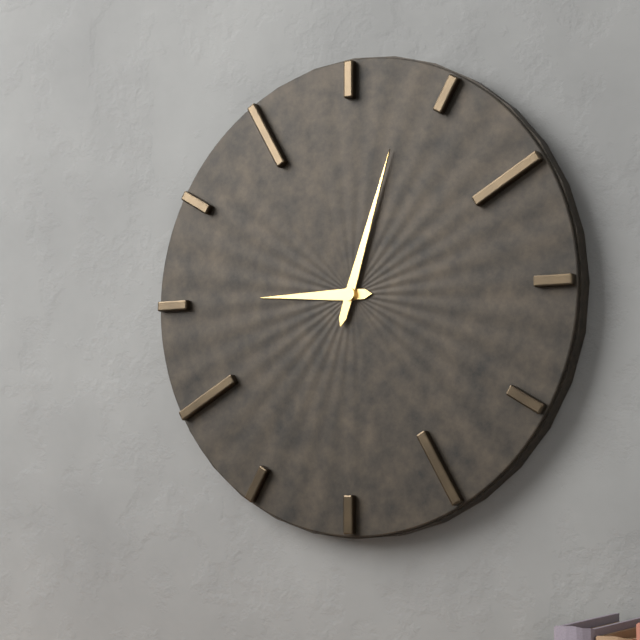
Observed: {"hour": 9, "minute": 3}
